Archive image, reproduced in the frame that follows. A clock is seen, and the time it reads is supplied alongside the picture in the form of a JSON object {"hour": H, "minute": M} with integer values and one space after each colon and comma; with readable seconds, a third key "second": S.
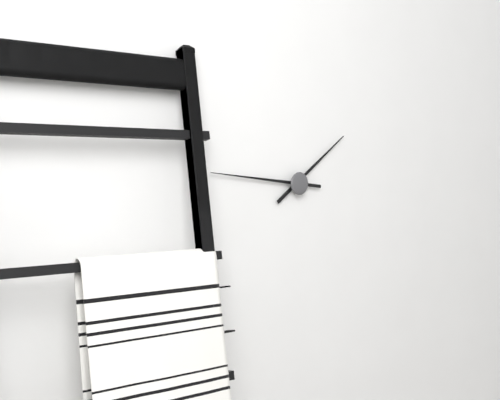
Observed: {"hour": 1, "minute": 46}
